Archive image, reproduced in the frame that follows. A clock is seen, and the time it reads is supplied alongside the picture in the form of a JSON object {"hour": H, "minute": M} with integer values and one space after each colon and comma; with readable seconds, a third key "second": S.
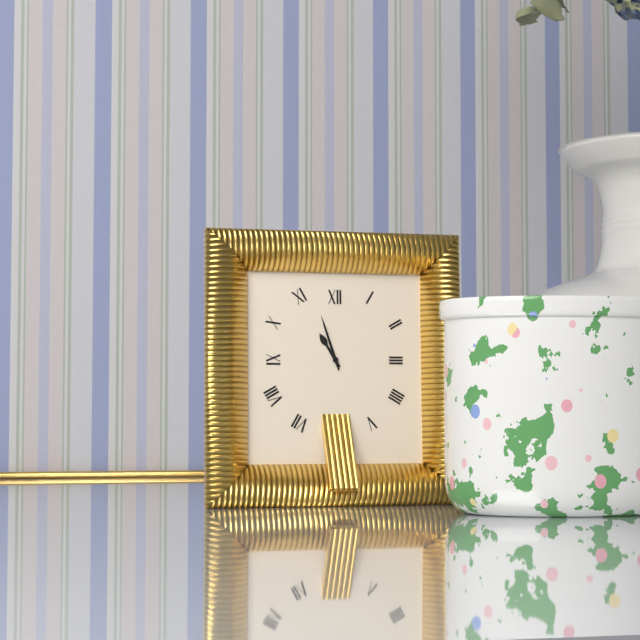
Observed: {"hour": 10, "minute": 57}
